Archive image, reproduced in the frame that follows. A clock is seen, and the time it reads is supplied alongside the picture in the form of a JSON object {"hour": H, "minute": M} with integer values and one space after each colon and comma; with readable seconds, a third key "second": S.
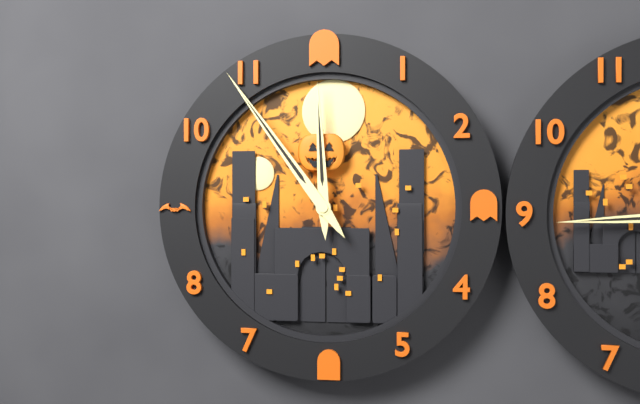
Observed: {"hour": 11, "minute": 54}
